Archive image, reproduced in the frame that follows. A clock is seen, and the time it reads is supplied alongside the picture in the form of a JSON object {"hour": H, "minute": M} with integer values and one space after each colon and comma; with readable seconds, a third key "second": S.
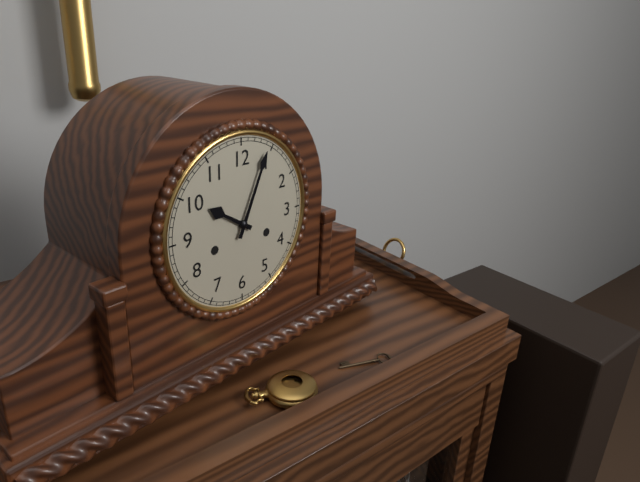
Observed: {"hour": 10, "minute": 4}
